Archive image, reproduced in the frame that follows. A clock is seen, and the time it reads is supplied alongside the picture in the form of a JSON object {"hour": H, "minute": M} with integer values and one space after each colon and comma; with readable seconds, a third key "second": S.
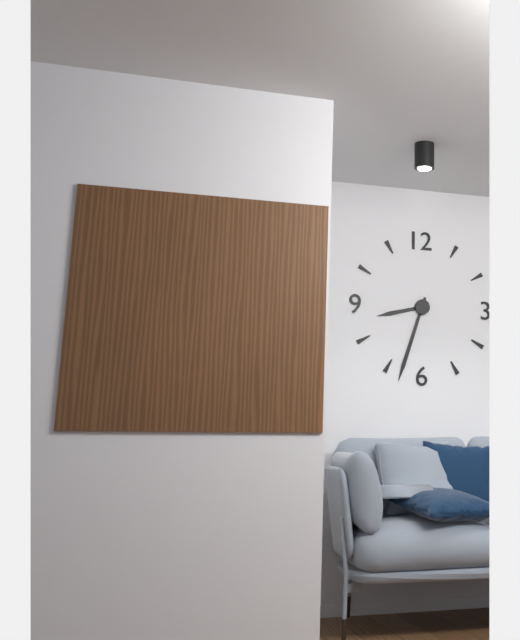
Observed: {"hour": 8, "minute": 33}
